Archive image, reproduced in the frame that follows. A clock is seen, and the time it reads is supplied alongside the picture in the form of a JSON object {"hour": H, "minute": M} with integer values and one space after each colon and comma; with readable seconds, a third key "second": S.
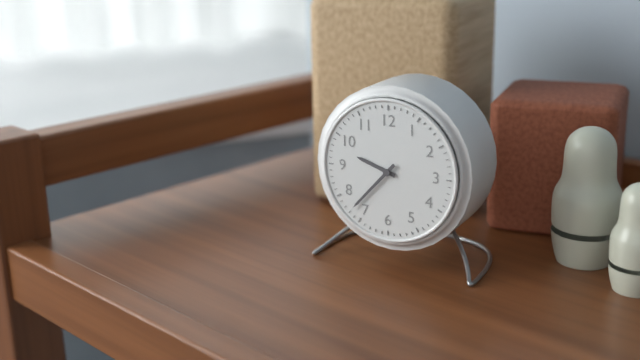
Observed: {"hour": 9, "minute": 37}
